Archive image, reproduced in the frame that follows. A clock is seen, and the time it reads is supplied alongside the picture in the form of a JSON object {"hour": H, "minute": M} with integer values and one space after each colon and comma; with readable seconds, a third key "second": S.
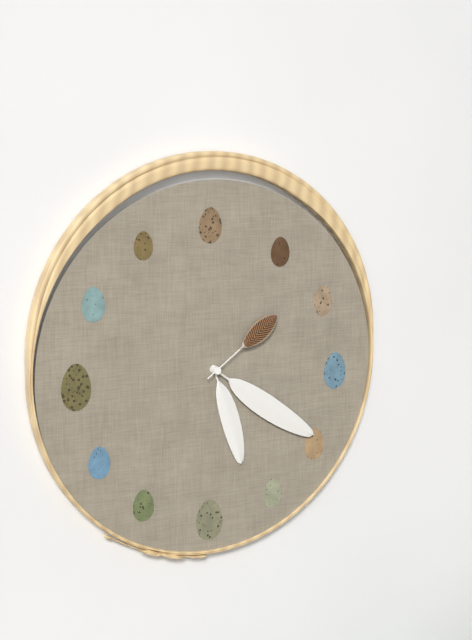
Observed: {"hour": 5, "minute": 21, "second": 9}
